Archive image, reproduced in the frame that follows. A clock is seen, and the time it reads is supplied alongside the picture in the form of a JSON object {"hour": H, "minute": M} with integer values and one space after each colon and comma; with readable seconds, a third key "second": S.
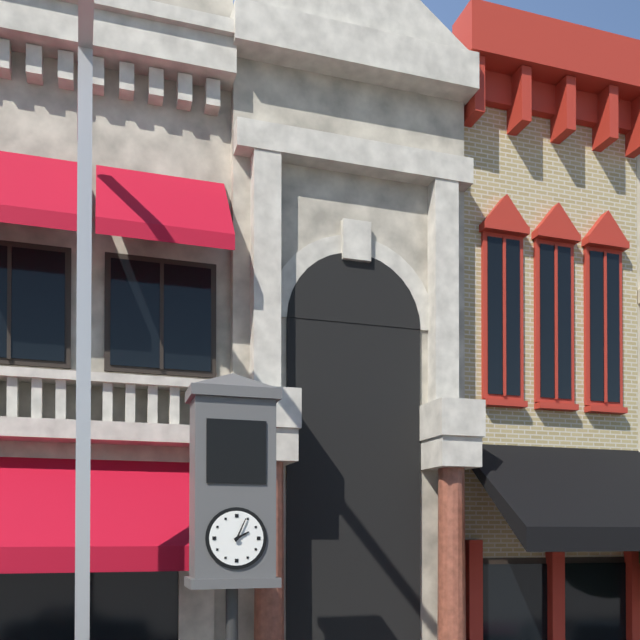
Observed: {"hour": 2, "minute": 4}
